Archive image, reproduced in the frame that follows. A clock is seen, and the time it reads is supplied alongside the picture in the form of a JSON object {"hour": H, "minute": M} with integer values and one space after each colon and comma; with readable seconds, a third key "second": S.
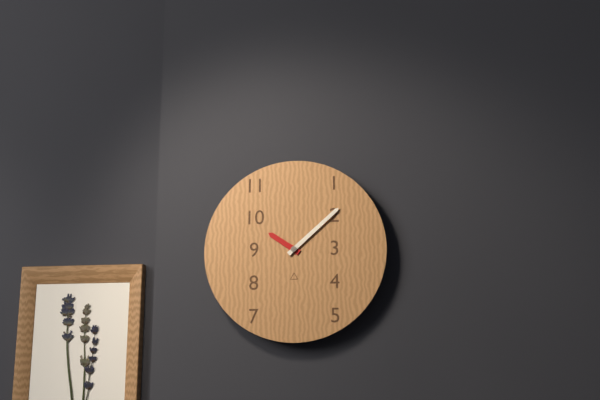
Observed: {"hour": 10, "minute": 8}
